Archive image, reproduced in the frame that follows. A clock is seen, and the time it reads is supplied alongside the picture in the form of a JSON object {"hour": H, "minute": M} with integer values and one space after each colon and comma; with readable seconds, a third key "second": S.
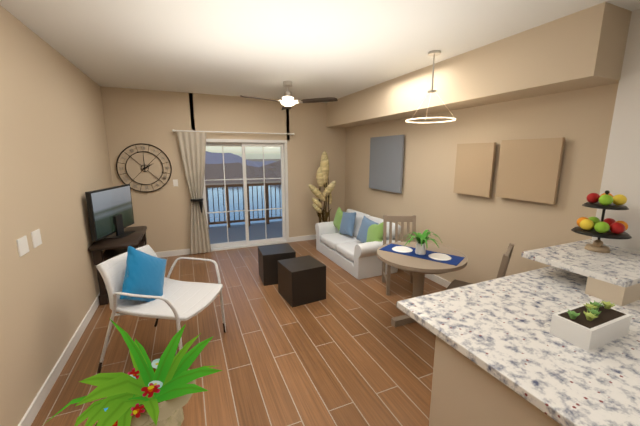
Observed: {"hour": 2, "minute": 0}
